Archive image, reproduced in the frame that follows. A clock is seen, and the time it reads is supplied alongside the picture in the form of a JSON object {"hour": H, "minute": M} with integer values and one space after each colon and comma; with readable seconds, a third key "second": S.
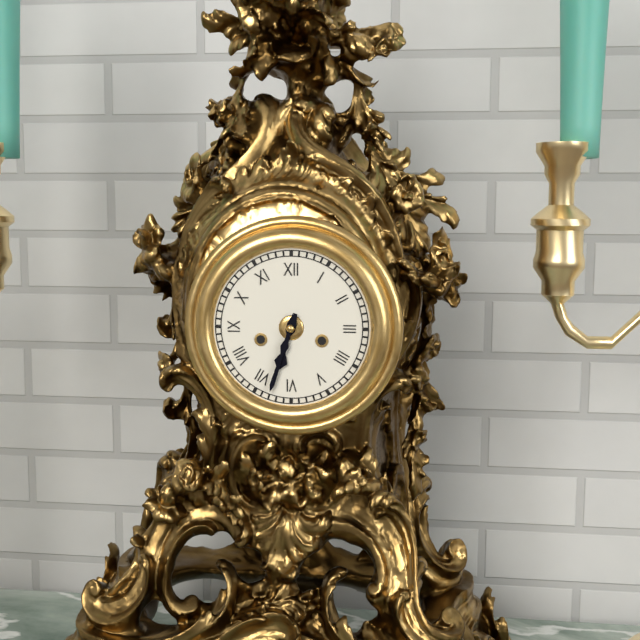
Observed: {"hour": 6, "minute": 33}
